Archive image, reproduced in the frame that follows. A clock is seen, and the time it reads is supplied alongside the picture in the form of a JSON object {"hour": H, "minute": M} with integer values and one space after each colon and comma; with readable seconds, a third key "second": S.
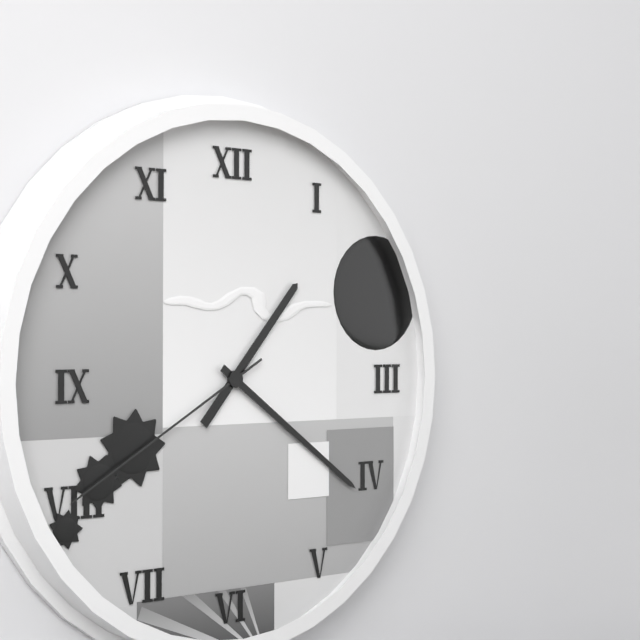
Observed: {"hour": 1, "minute": 21, "second": 40}
